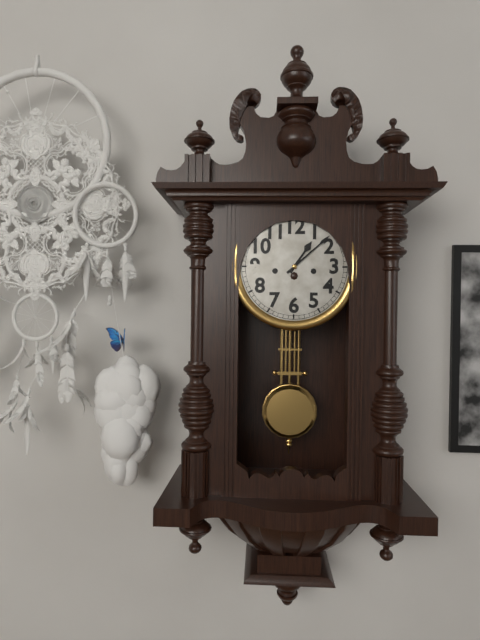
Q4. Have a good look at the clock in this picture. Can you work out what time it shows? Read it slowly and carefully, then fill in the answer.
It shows 1:08
